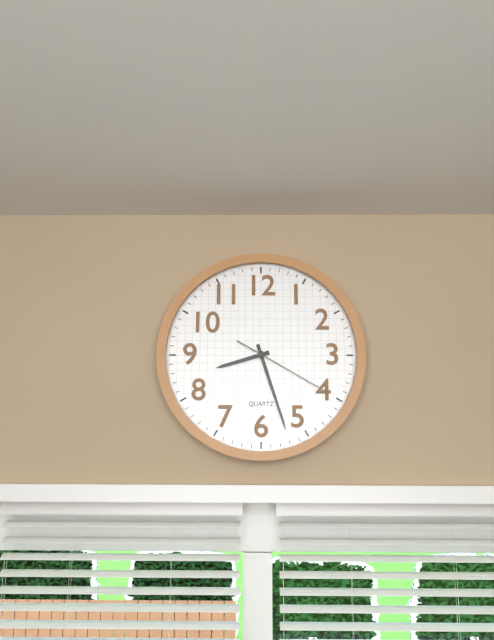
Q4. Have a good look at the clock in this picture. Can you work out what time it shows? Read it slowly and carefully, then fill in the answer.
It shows 8:27:20
